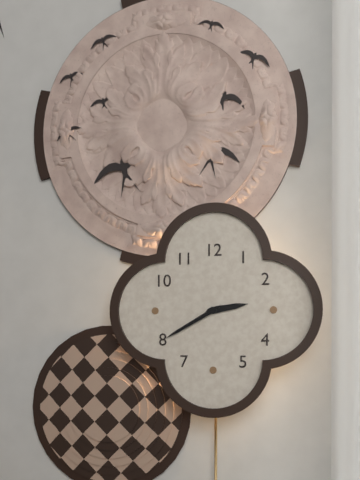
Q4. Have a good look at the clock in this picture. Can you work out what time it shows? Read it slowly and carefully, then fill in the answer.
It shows 2:40
